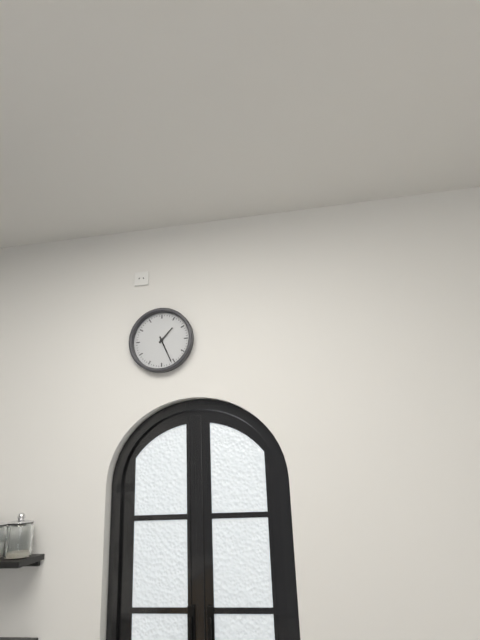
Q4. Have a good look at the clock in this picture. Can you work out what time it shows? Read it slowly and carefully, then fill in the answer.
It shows 1:26
